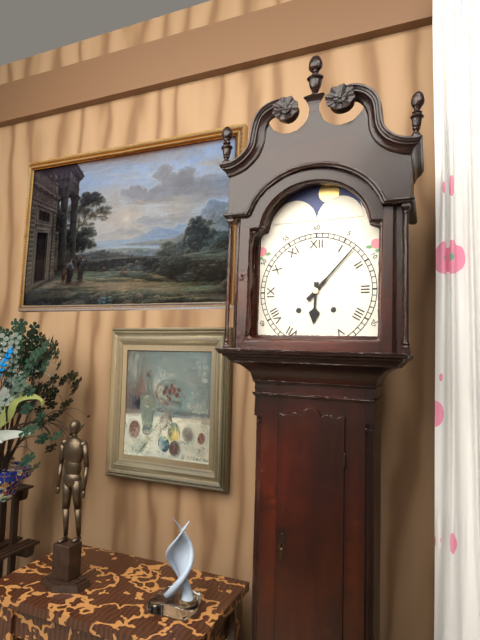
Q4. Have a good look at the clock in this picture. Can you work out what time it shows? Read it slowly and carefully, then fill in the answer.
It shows 6:07
